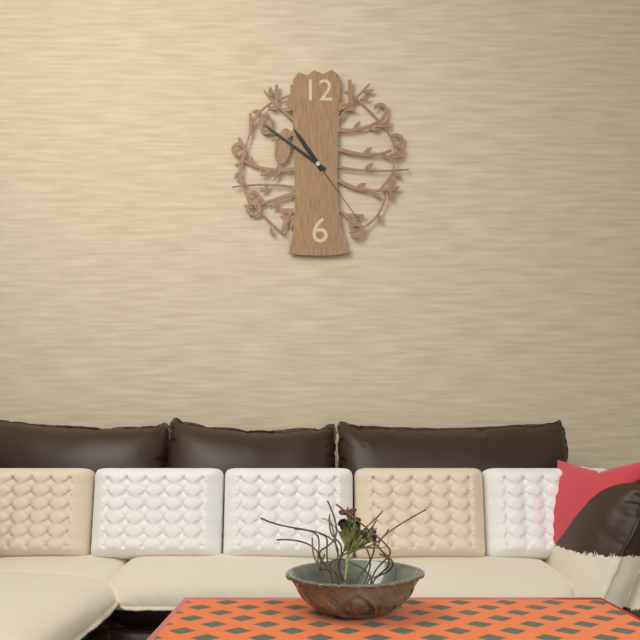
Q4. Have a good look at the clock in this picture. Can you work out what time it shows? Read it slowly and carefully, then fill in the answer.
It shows 10:51:24
